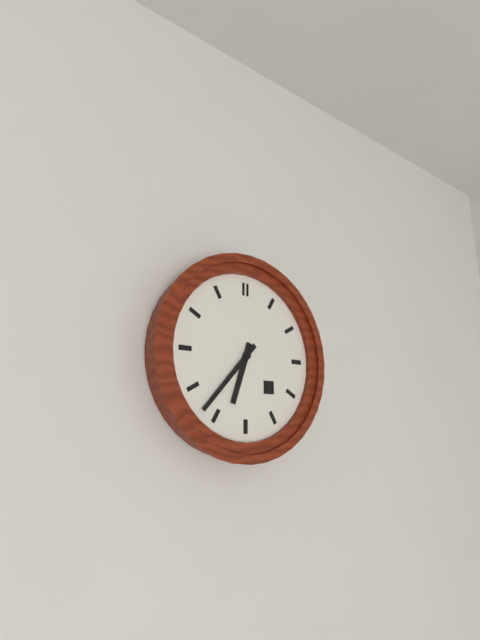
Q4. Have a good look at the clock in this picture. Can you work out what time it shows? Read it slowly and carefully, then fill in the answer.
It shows 6:37
